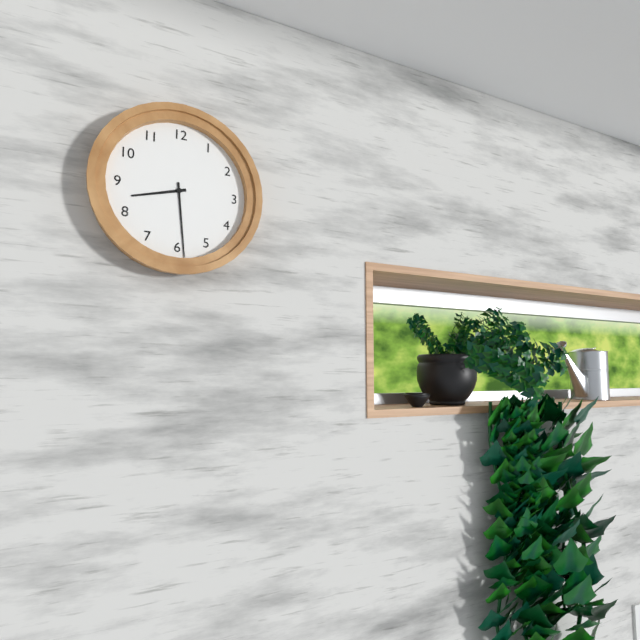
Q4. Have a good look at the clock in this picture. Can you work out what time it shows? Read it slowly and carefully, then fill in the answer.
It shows 8:29
